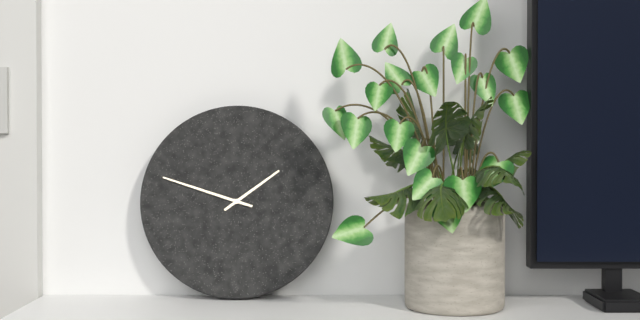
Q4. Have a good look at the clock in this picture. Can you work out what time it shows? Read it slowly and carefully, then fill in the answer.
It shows 1:48
